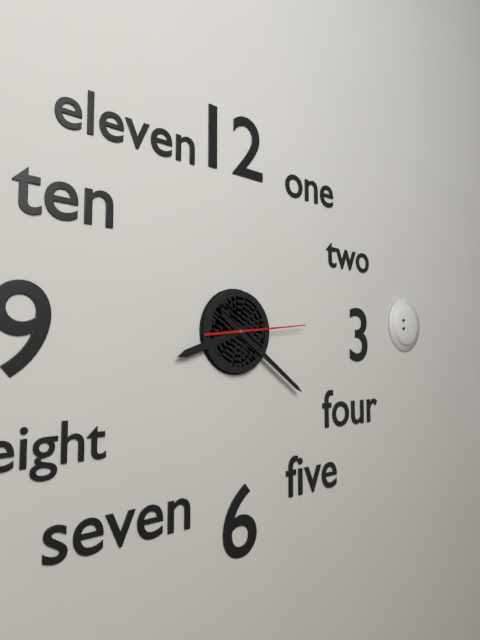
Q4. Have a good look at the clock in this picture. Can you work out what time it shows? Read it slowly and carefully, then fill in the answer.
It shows 8:21:14
